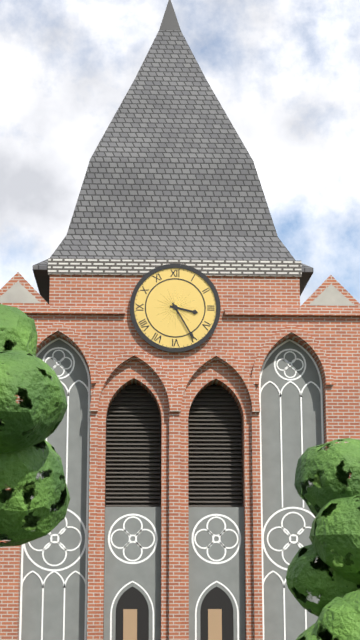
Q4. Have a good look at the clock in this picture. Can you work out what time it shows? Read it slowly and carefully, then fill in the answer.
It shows 3:25
